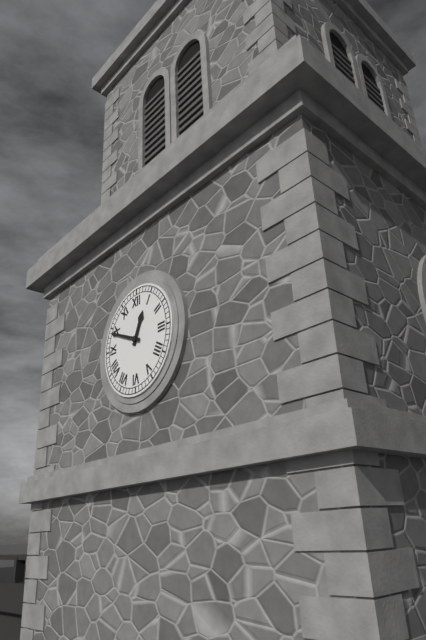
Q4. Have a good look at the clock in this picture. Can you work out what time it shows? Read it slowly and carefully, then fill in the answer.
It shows 12:49
